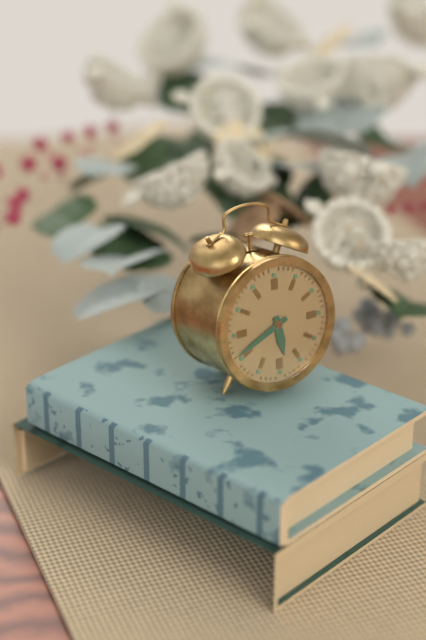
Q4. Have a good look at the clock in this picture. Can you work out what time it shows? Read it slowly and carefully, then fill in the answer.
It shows 5:41
